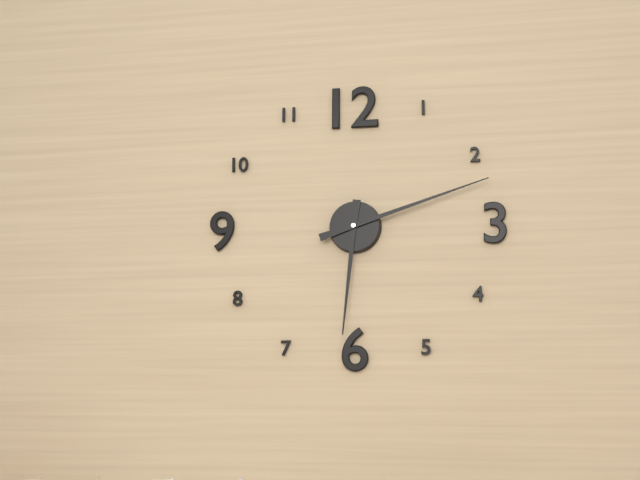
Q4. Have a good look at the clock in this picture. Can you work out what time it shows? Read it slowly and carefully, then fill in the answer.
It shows 6:12
